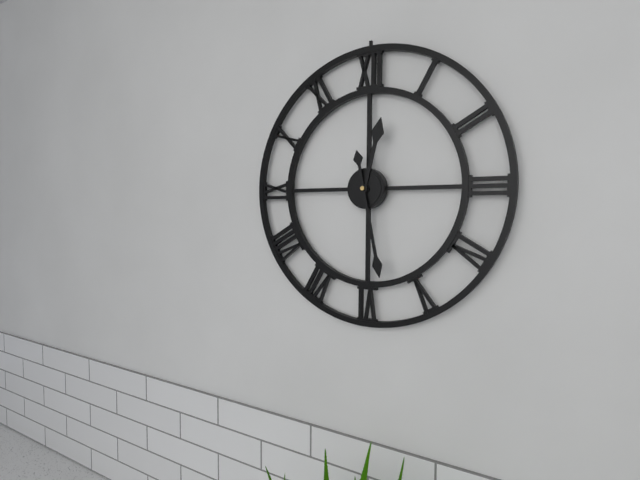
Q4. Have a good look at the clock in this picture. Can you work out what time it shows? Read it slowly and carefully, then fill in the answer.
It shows 12:28
